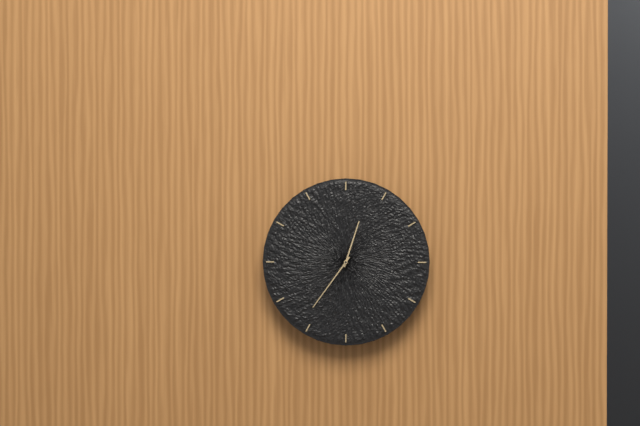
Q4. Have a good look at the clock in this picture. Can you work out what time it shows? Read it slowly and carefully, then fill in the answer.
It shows 12:36
